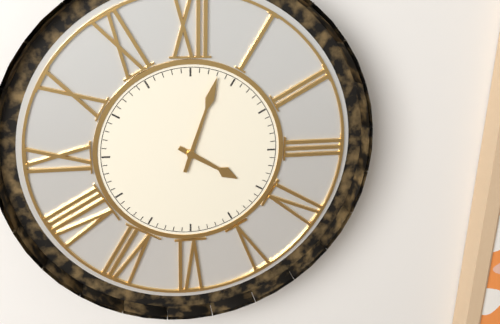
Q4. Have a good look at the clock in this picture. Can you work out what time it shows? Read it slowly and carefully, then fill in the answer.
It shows 4:03
